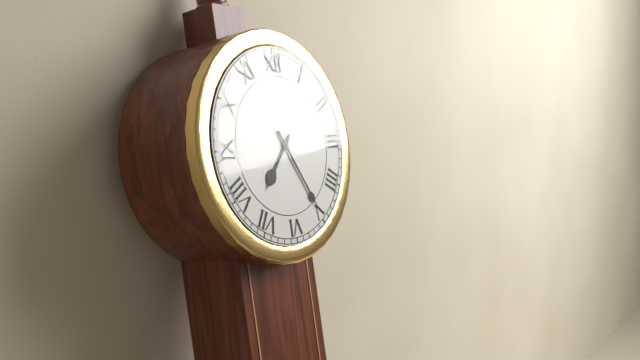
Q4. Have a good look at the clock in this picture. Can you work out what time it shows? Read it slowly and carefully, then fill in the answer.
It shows 7:25
